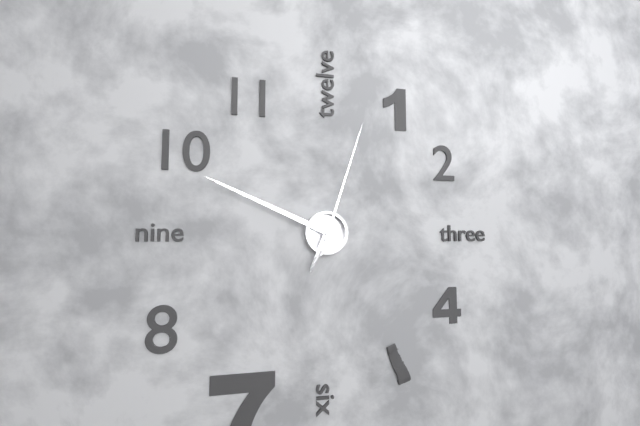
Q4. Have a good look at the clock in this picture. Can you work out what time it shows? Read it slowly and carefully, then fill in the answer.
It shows 6:49:03
